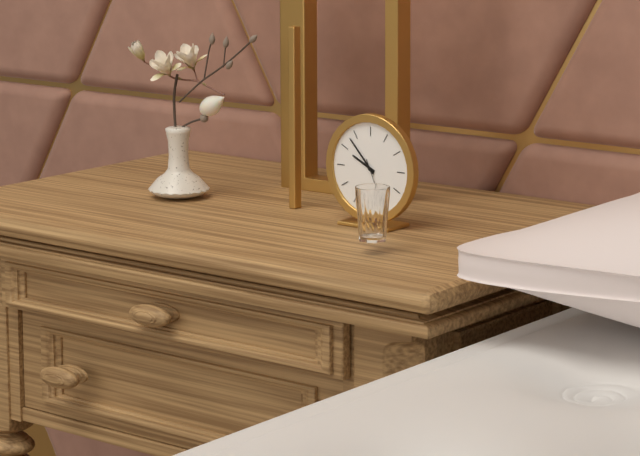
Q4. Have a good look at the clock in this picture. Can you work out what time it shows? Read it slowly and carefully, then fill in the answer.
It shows 9:53:26
